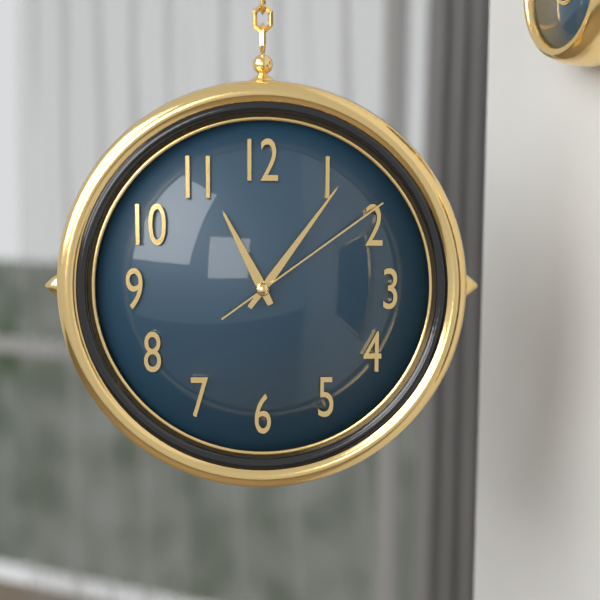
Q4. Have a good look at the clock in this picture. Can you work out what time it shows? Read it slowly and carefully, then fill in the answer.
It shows 11:06:09
